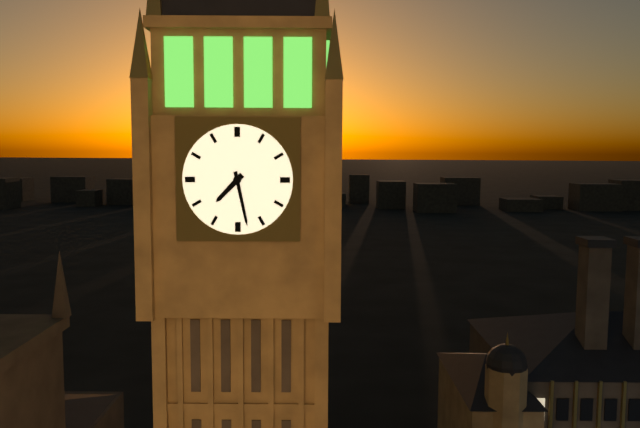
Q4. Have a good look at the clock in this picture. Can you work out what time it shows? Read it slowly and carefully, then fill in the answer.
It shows 7:28
